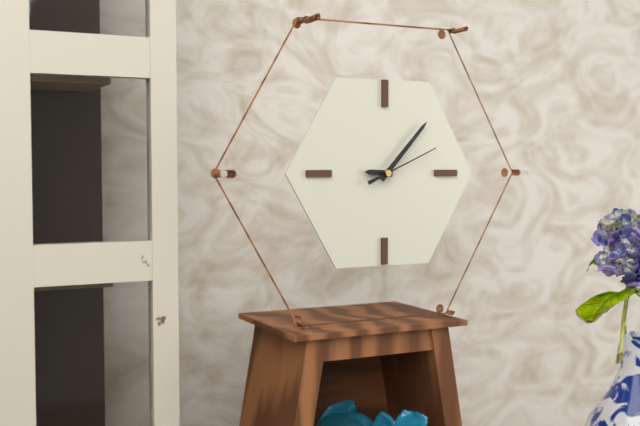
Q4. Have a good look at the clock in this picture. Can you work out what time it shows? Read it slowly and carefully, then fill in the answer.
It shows 9:07:11
